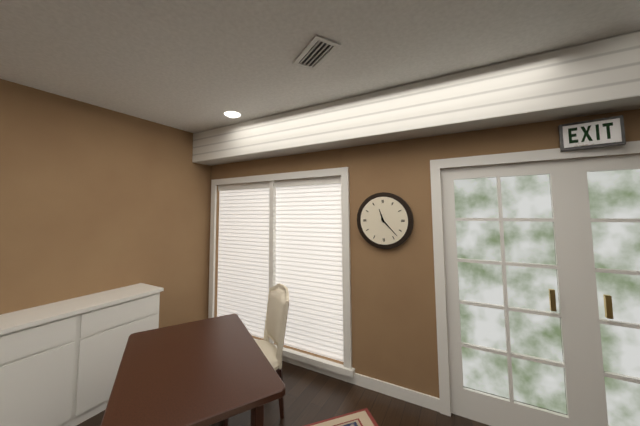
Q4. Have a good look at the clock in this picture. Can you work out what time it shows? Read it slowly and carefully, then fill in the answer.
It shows 11:23
